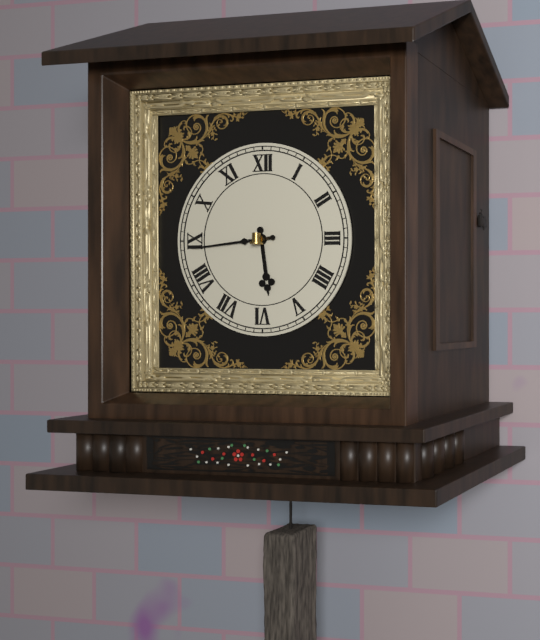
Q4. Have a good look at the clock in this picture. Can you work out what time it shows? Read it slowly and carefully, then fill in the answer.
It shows 5:44
